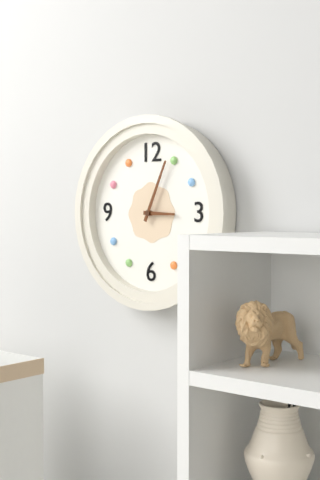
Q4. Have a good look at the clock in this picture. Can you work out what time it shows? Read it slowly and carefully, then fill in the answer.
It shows 3:04
